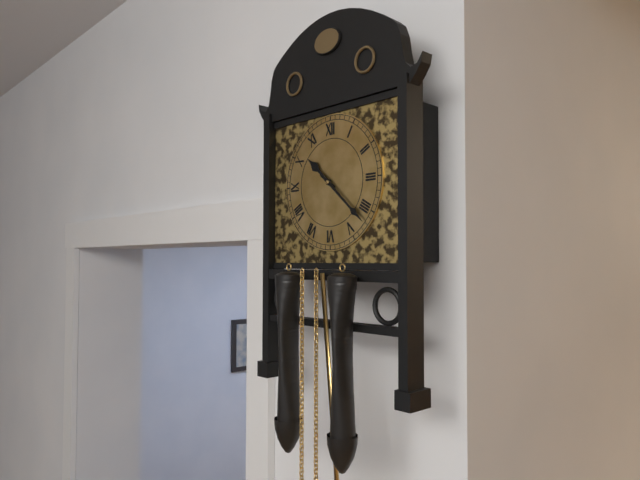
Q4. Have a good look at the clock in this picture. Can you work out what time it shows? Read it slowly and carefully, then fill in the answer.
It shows 10:22
